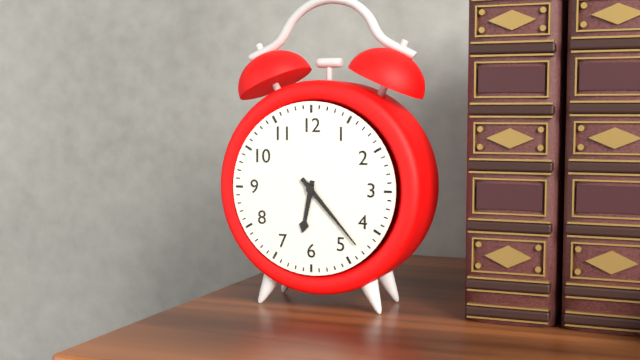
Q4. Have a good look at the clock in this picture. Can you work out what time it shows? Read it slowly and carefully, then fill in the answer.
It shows 6:23
